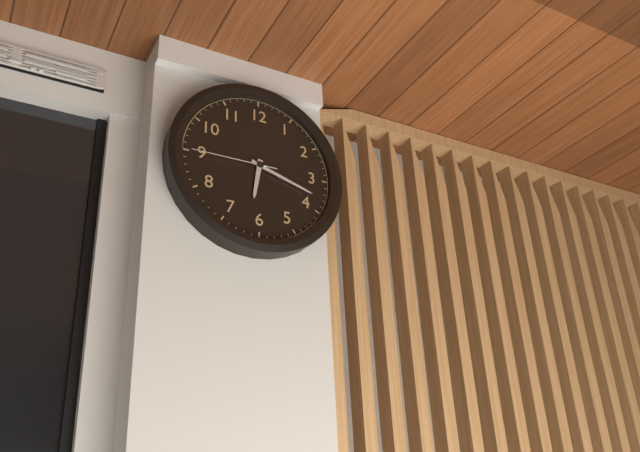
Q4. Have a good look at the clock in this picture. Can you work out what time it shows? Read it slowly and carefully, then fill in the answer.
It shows 6:18:45
